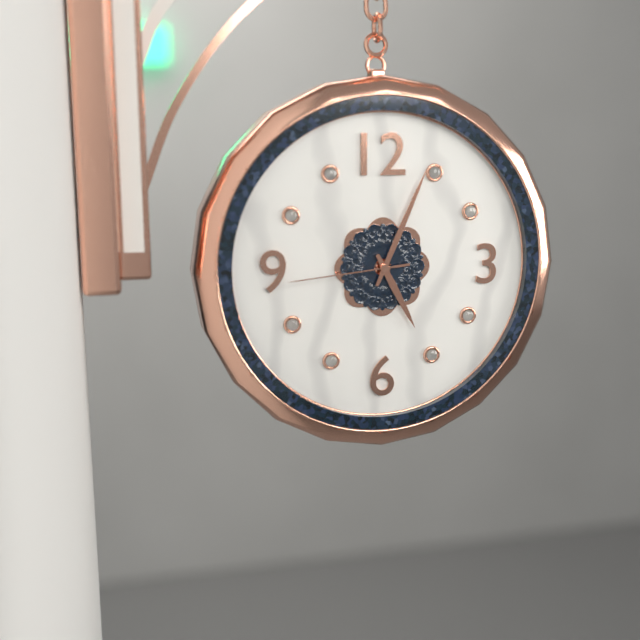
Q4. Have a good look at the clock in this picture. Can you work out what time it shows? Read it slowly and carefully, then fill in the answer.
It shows 5:04:44
